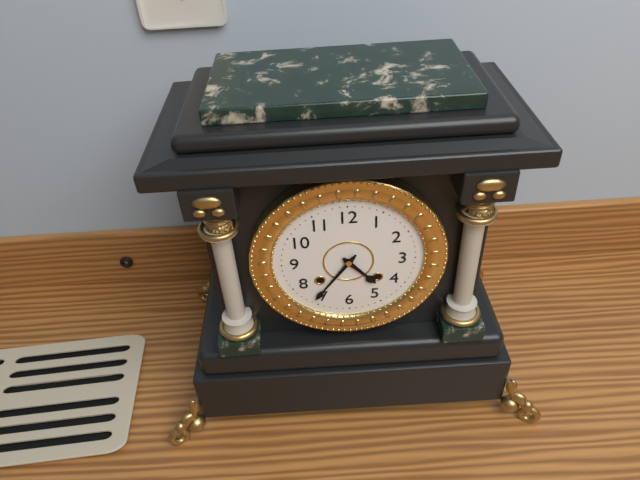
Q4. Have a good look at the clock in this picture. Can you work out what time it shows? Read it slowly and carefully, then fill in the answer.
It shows 4:36
